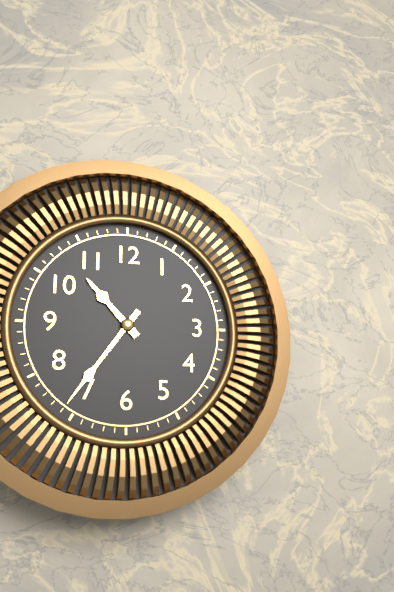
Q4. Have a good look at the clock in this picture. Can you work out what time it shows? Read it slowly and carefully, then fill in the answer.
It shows 10:36
